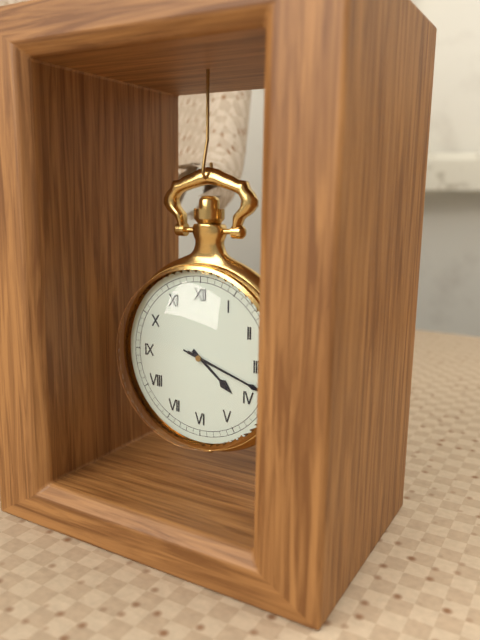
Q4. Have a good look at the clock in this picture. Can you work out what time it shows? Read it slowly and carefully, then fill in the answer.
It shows 4:18:18
